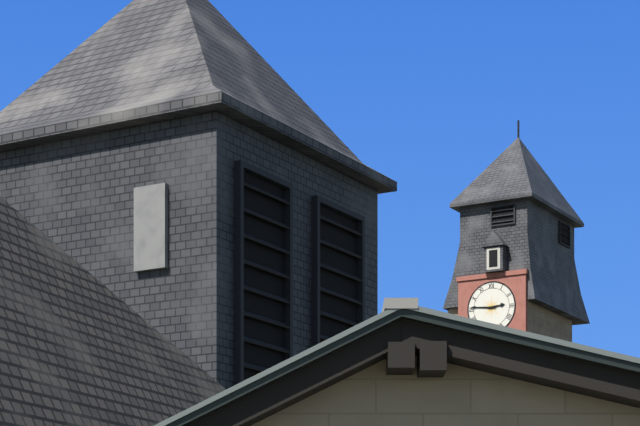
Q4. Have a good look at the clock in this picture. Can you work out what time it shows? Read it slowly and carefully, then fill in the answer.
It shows 2:46
